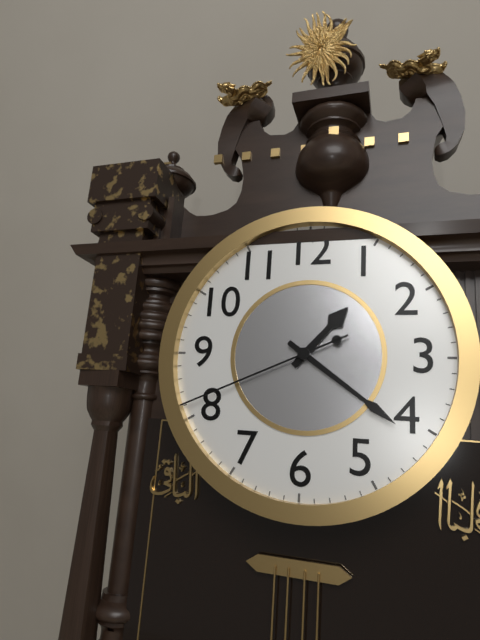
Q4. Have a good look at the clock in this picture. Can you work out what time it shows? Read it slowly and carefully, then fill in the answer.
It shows 1:21:41
